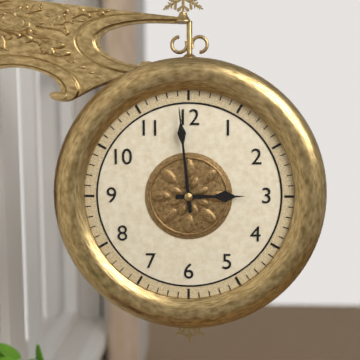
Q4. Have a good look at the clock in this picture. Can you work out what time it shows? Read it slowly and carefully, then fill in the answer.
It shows 2:59
